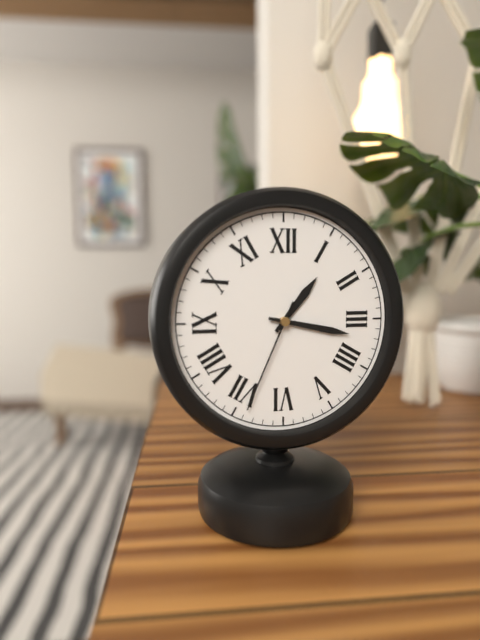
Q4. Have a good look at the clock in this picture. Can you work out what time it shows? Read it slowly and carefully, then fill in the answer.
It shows 1:17:34
